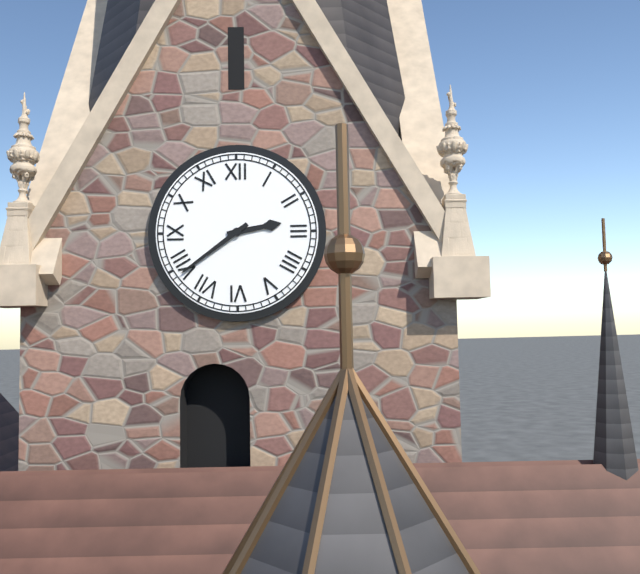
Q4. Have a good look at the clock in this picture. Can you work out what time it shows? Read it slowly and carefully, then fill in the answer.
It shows 2:39
